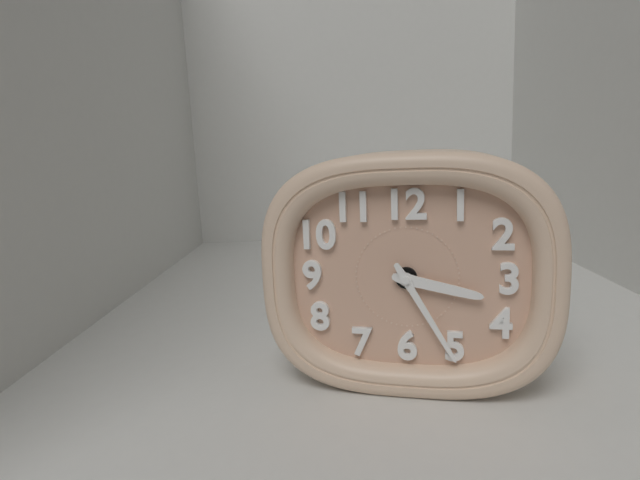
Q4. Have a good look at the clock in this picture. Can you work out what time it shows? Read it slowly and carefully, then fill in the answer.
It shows 3:25
